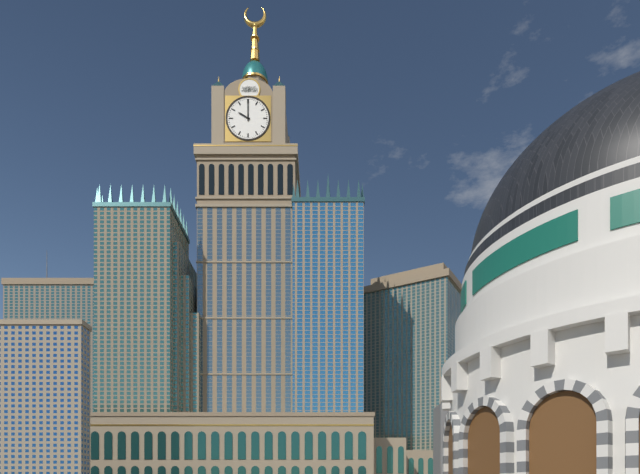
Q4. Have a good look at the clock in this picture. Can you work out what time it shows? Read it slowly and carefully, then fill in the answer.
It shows 10:00
